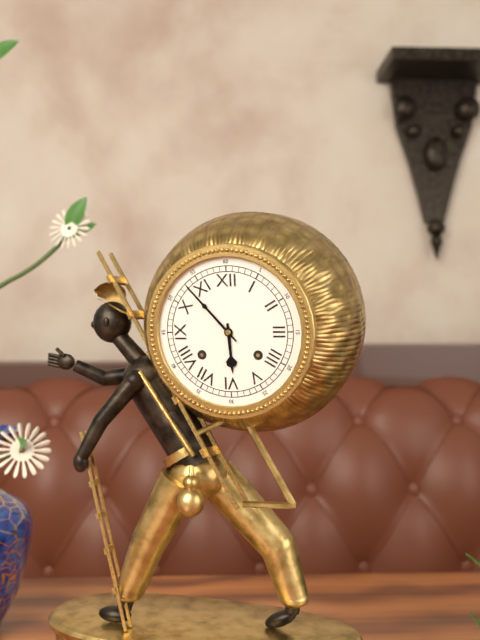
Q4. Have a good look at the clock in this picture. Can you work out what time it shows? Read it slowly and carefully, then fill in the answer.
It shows 5:53
